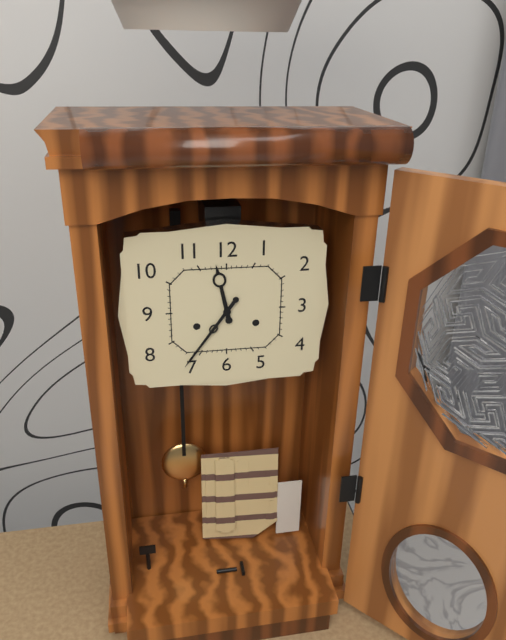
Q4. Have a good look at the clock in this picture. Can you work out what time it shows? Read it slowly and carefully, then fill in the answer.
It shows 11:36
